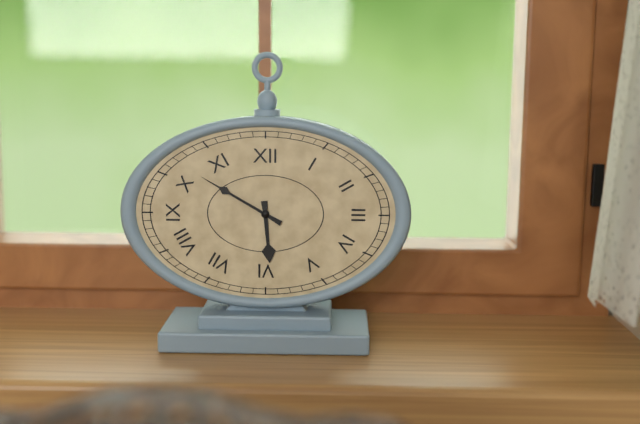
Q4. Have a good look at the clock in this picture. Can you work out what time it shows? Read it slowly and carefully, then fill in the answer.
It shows 5:50
